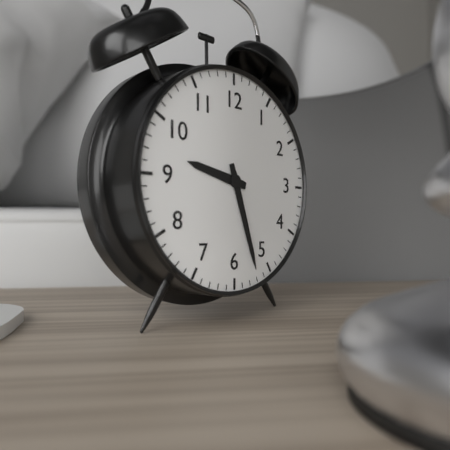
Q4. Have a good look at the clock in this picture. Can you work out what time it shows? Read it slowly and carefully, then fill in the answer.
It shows 9:27
